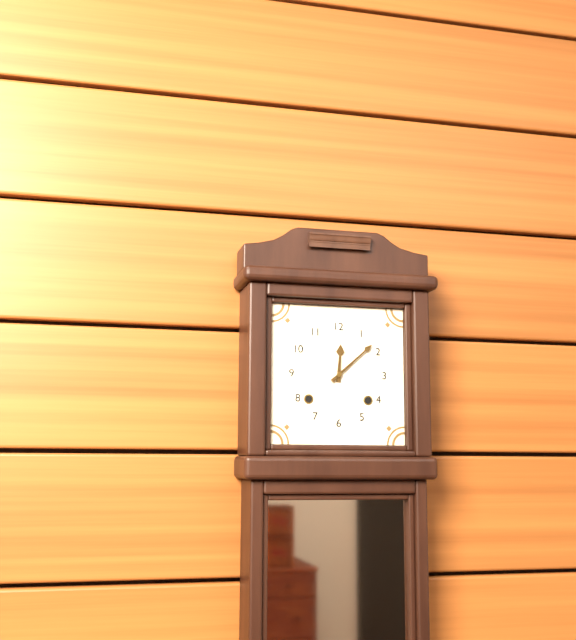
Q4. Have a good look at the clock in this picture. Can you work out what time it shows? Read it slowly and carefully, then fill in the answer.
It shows 12:08
